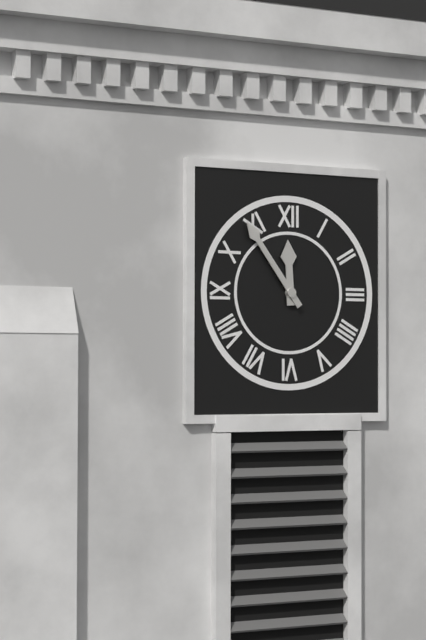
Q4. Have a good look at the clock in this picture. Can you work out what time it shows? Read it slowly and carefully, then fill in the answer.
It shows 11:54
